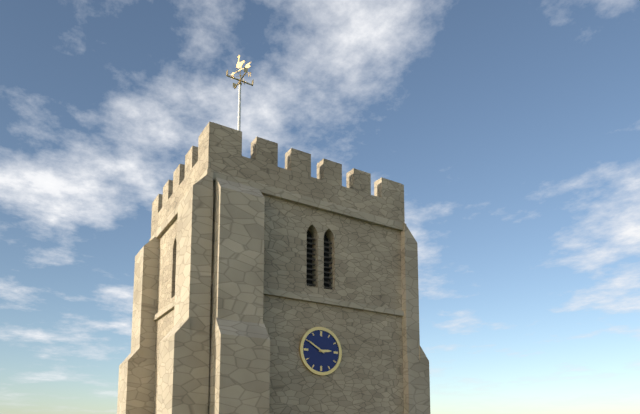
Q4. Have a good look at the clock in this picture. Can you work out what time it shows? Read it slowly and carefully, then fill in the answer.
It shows 2:50
